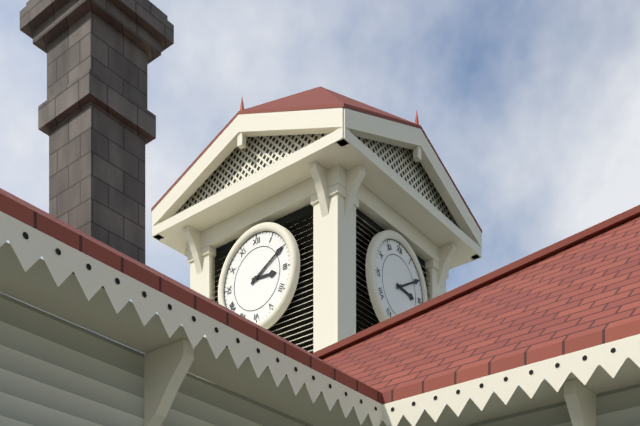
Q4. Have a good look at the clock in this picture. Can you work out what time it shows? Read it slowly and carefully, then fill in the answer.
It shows 3:10
